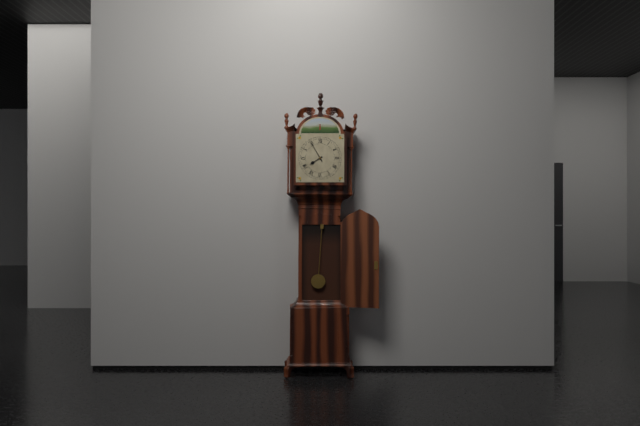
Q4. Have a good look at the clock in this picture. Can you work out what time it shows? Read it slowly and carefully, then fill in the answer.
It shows 7:55
